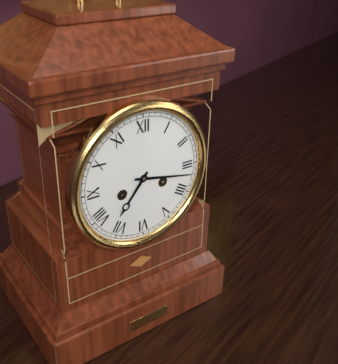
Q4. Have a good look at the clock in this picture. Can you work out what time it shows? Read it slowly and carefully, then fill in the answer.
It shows 7:17
